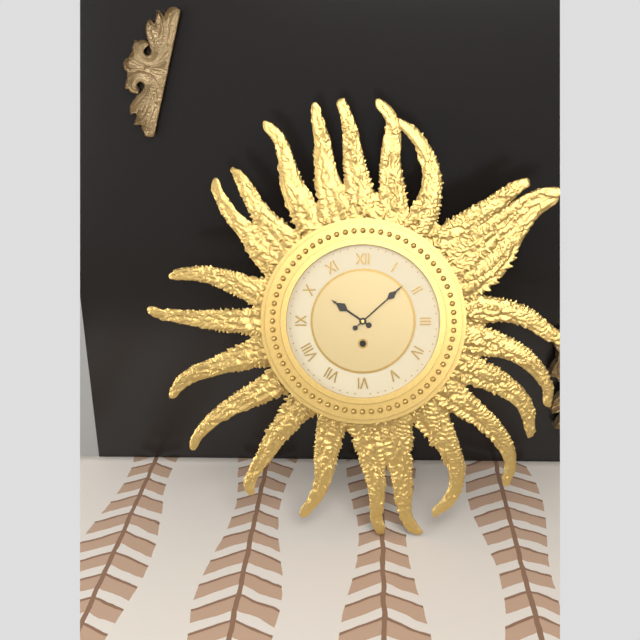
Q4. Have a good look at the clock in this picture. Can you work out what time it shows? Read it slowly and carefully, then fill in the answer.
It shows 10:08
